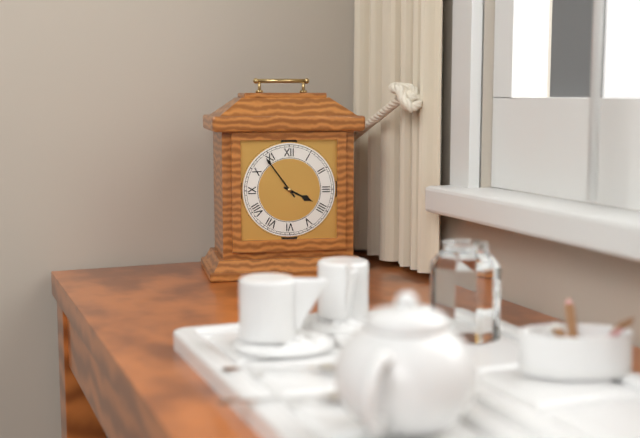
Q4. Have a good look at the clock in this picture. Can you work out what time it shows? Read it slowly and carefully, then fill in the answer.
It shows 3:54
